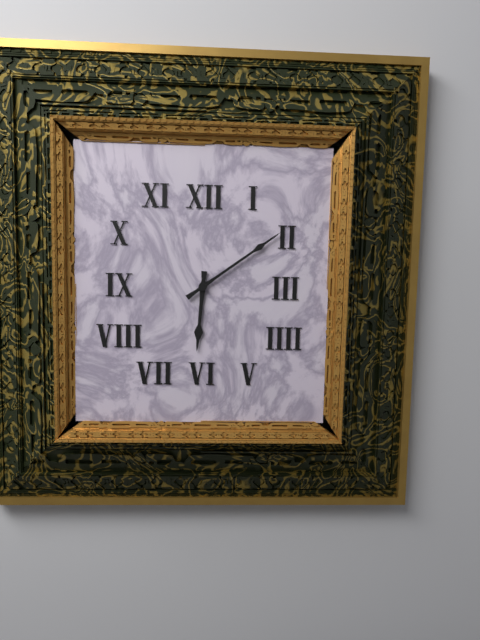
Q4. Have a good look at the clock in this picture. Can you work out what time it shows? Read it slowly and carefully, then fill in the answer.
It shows 6:09
